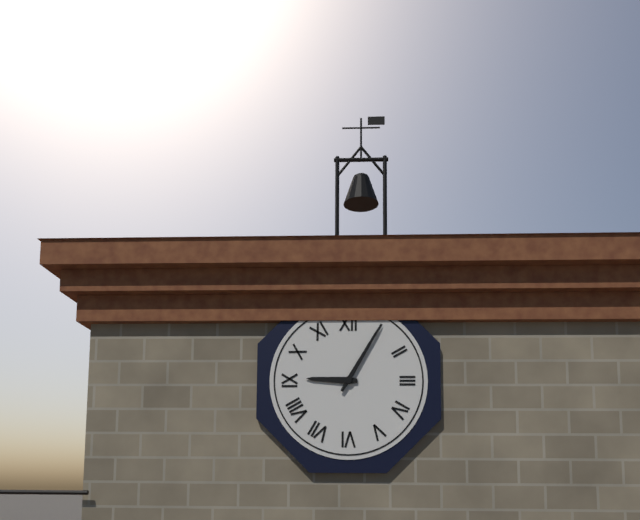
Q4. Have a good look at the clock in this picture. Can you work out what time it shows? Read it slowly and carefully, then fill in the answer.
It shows 9:05
